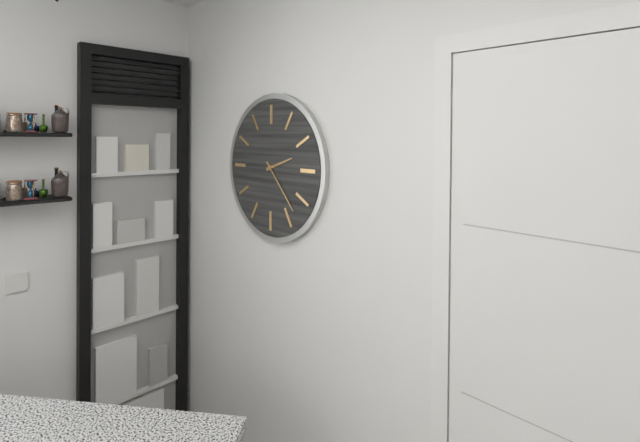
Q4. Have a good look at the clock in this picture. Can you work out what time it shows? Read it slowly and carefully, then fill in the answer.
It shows 2:23
